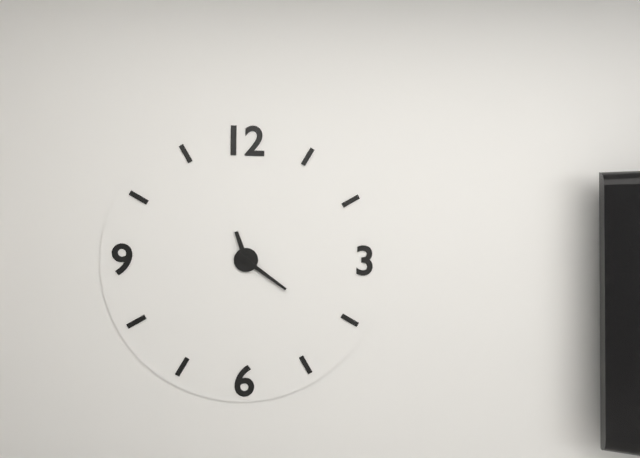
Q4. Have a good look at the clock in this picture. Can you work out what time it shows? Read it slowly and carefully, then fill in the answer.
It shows 11:21
